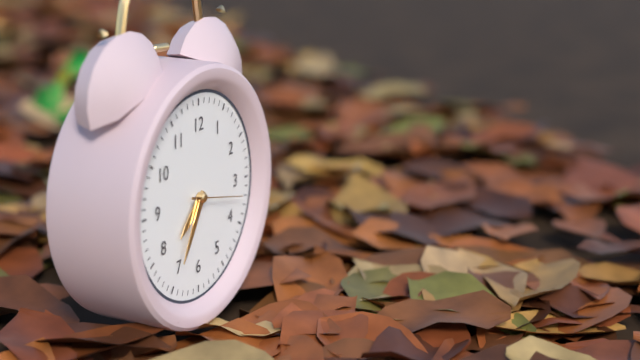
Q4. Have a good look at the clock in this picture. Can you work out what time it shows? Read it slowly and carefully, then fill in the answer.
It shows 7:35
